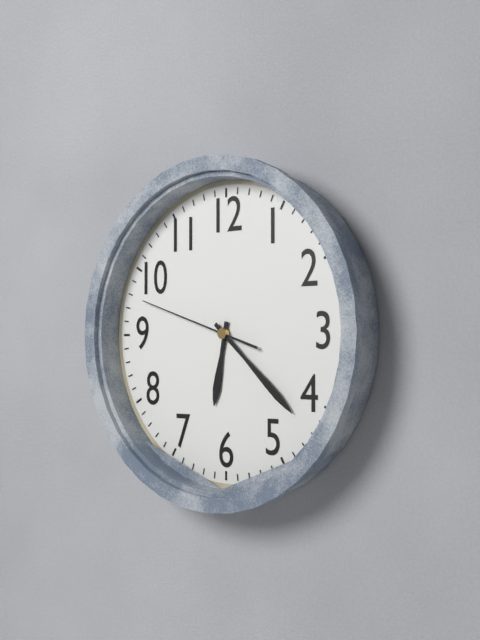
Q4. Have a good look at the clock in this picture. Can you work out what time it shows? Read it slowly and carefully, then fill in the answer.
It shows 6:22:48
